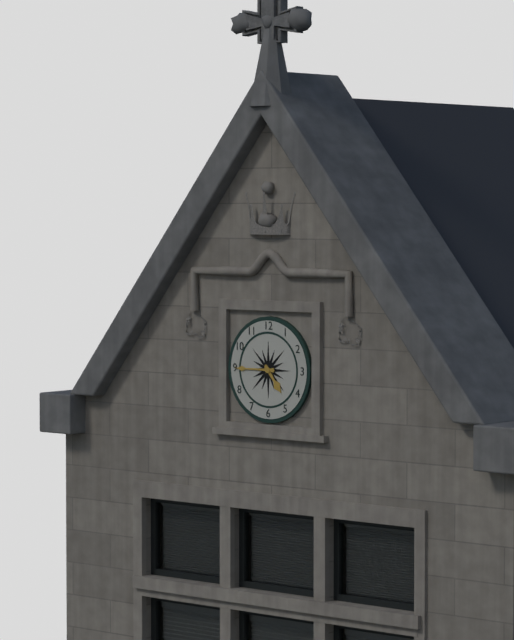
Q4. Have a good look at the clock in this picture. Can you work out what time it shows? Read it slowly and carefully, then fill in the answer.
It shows 4:45
